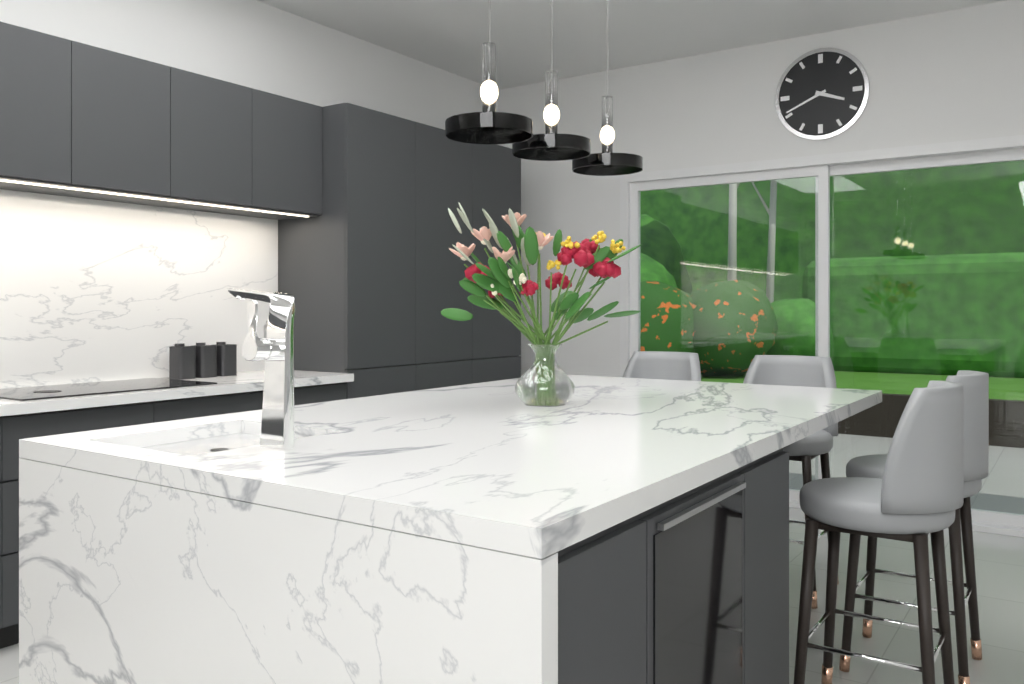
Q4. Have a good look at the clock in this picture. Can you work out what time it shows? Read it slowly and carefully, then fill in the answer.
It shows 3:41
